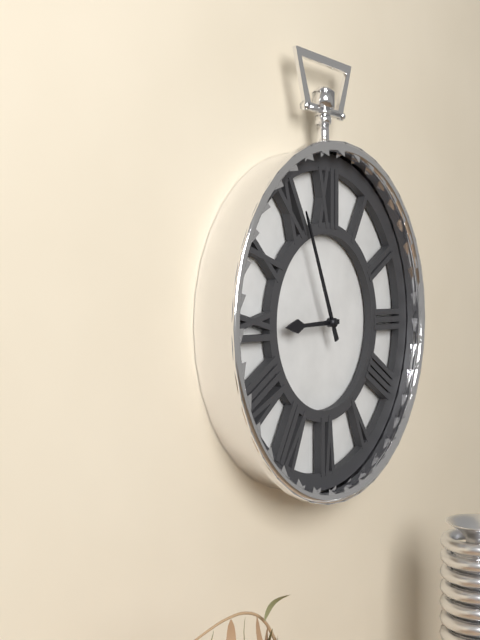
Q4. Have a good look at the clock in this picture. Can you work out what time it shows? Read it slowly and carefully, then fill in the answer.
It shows 8:56
